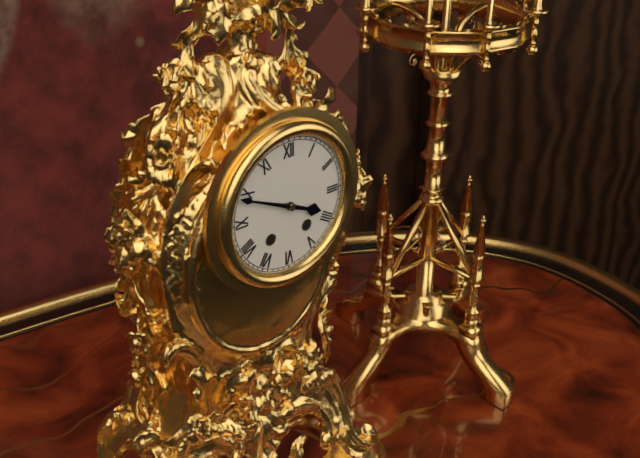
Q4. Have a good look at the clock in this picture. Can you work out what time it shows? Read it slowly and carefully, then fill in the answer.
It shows 3:49
